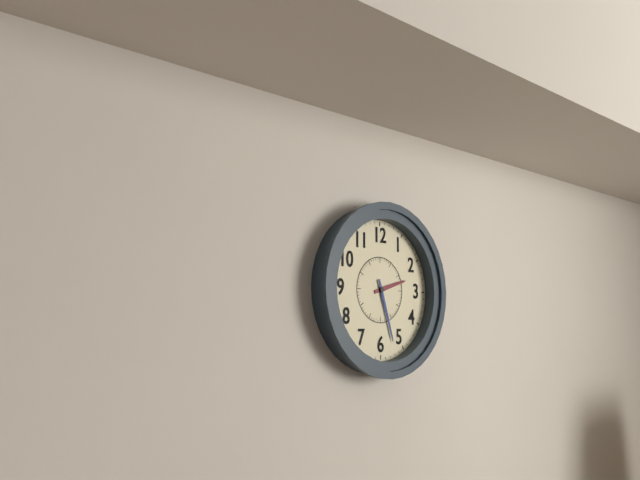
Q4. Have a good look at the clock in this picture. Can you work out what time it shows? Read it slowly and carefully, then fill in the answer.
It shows 2:27
